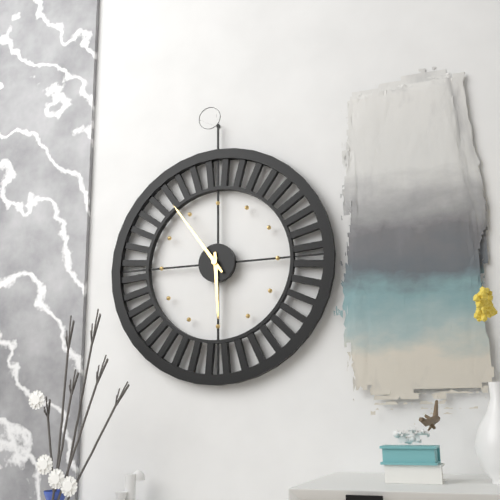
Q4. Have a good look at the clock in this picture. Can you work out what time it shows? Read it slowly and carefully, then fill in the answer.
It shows 5:54
